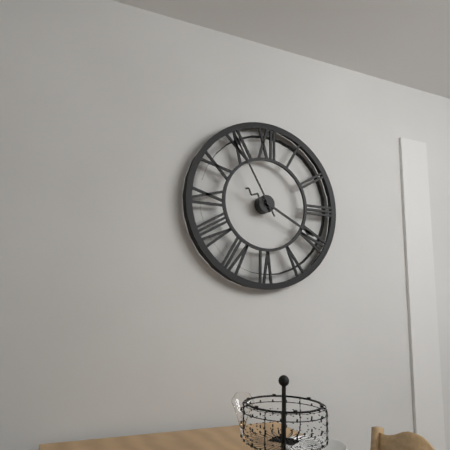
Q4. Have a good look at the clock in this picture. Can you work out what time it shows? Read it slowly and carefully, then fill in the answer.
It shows 3:55
